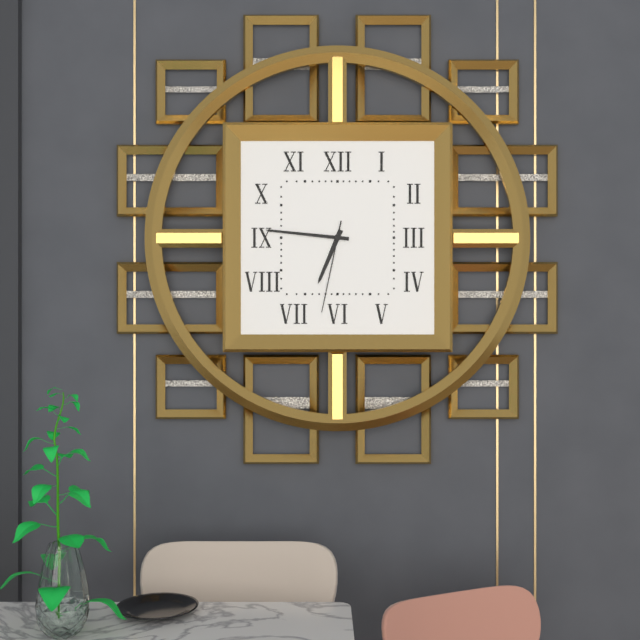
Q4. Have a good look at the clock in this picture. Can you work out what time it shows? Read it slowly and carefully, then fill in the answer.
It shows 6:46:32
